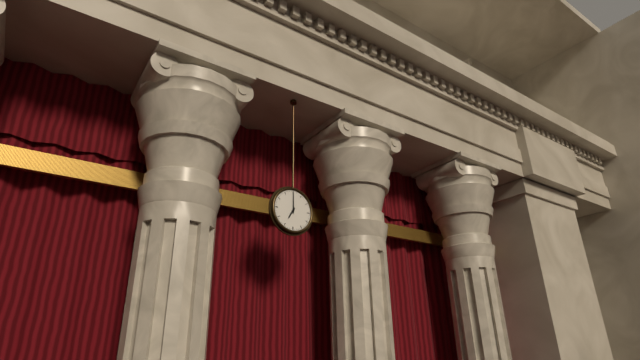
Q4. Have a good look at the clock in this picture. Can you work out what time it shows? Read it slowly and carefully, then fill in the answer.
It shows 7:00
